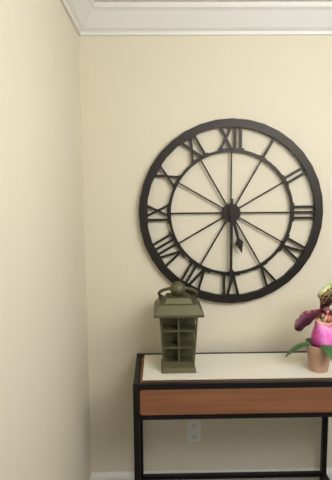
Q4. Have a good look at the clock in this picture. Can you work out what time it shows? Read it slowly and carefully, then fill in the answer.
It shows 5:30
